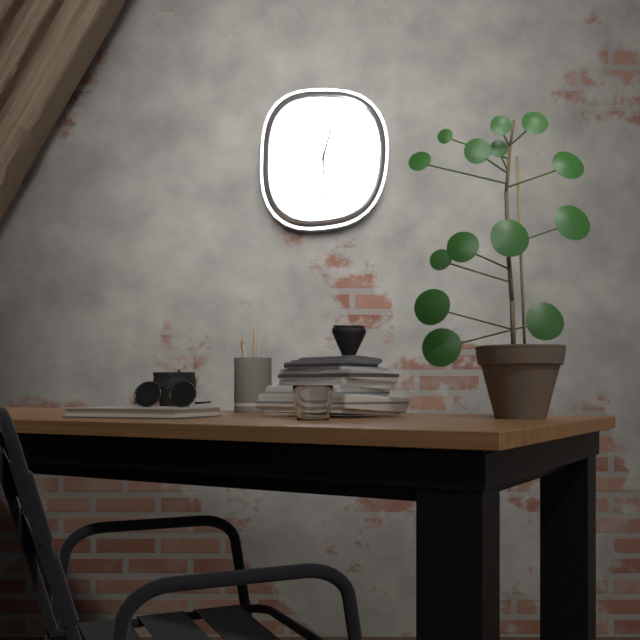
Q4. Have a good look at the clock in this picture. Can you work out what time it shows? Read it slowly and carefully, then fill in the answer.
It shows 12:30
